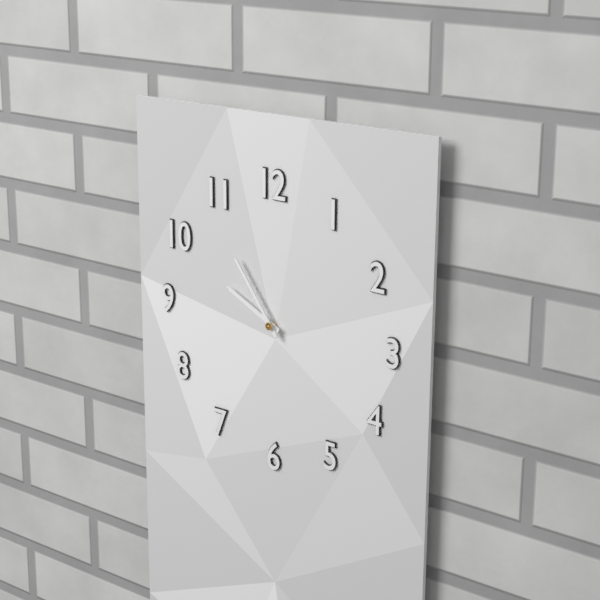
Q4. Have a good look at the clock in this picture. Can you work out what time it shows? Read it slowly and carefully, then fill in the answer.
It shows 9:54
